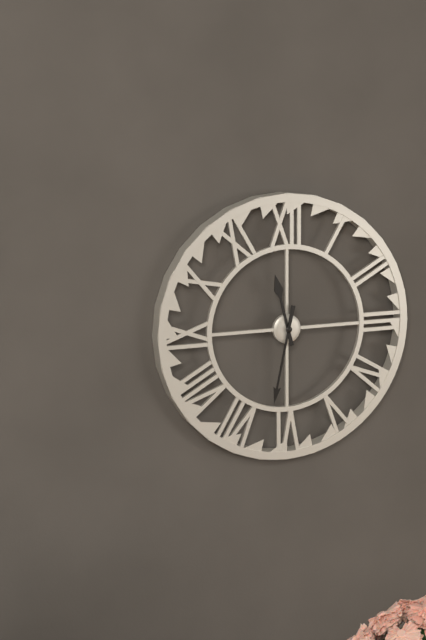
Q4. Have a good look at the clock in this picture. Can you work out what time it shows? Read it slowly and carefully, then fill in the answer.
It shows 11:32
